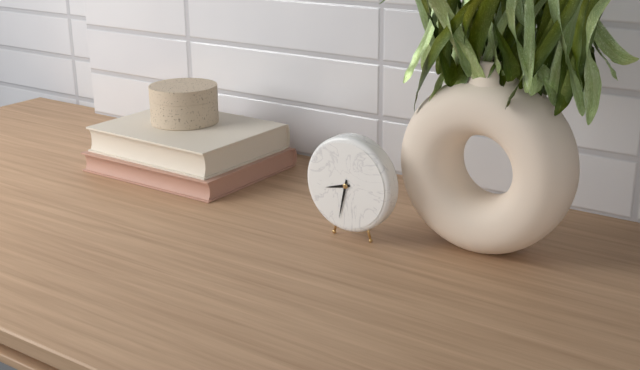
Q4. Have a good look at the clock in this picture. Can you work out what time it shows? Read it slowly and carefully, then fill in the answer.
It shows 8:32
